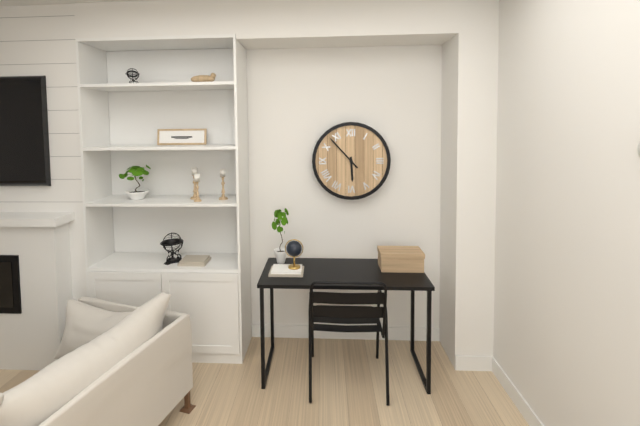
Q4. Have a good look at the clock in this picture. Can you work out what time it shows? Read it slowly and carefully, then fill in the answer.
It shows 5:53
